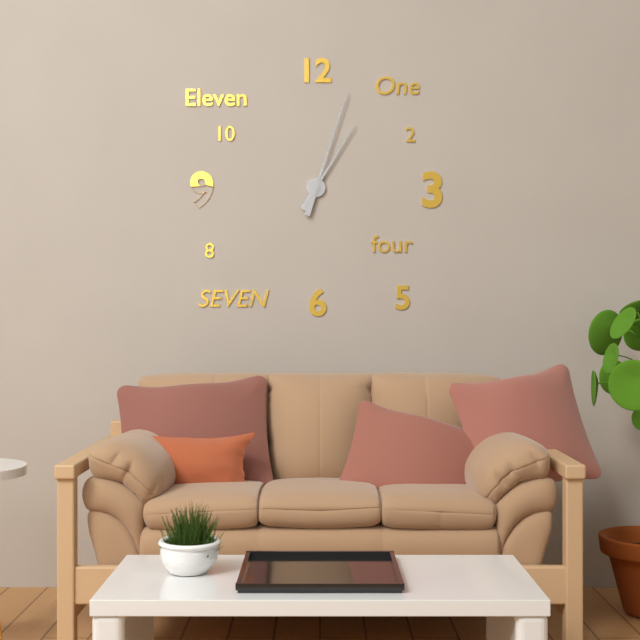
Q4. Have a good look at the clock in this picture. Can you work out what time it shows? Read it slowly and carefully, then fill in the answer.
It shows 1:03
